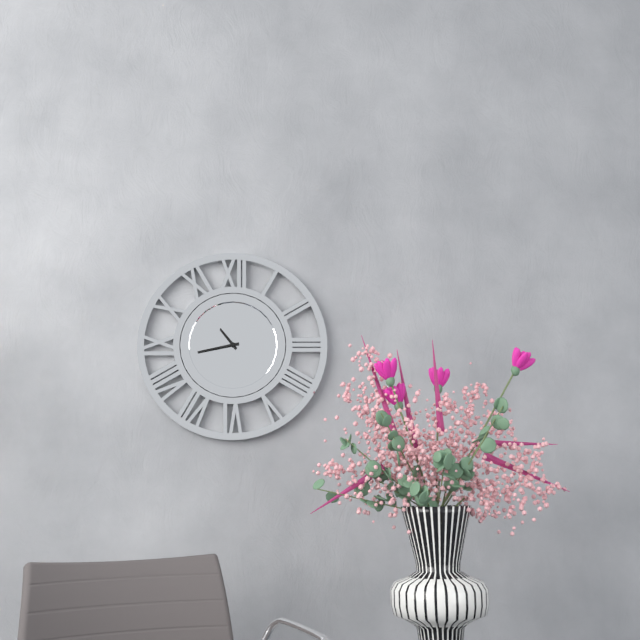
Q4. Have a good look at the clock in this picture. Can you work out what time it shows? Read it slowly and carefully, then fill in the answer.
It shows 10:43
